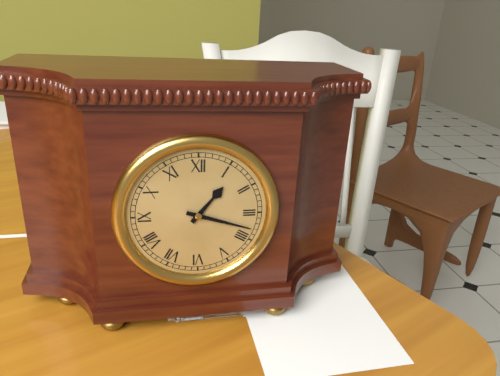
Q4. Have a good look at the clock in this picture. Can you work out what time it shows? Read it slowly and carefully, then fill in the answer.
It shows 1:18
